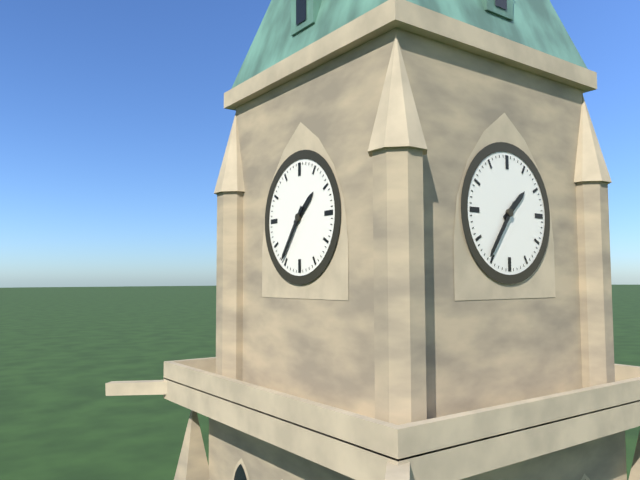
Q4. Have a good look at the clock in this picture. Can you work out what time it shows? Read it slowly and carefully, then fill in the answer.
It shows 1:36
